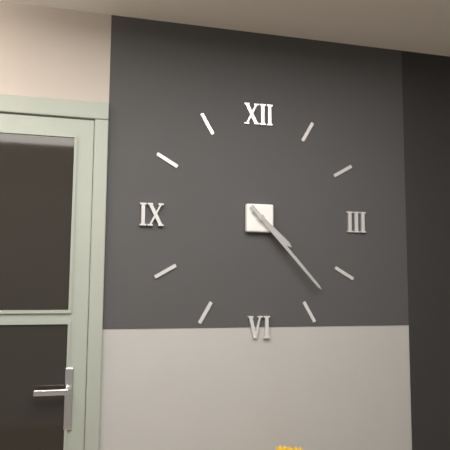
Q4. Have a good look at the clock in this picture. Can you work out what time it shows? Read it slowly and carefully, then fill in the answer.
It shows 4:23
